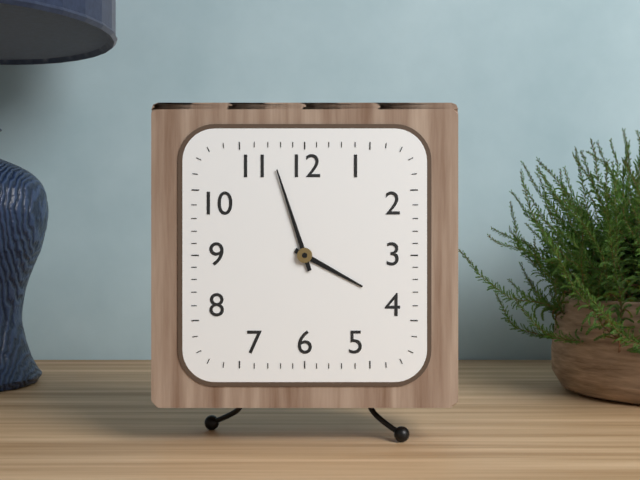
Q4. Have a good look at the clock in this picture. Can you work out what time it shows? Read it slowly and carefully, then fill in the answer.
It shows 3:57
